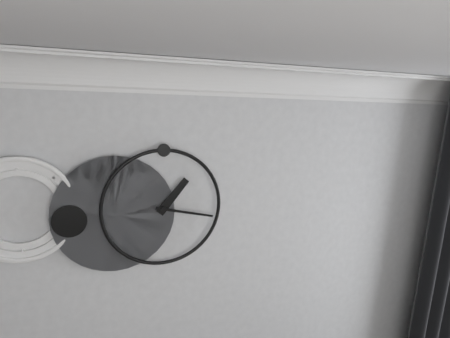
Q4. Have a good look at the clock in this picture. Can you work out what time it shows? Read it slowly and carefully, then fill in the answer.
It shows 1:17
